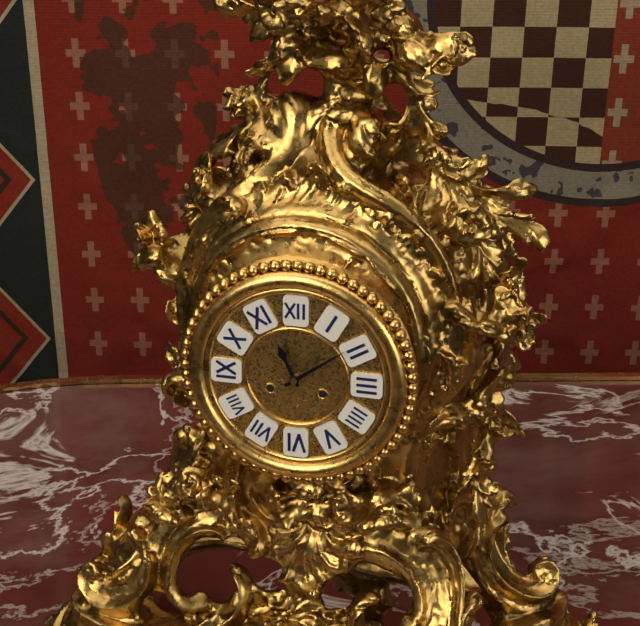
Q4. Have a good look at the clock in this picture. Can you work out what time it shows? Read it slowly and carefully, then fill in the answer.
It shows 11:09
